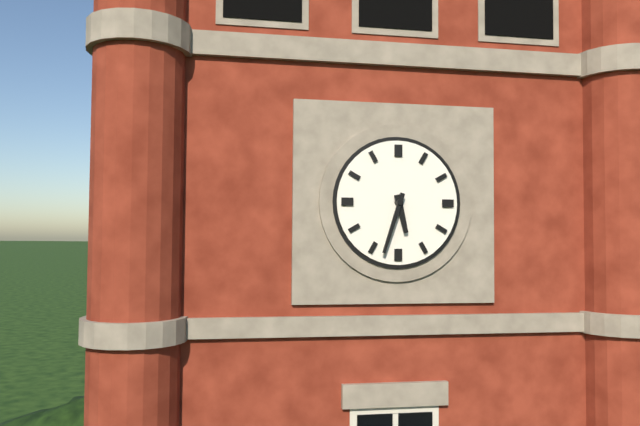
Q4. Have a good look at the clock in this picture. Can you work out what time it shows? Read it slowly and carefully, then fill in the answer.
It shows 5:33
